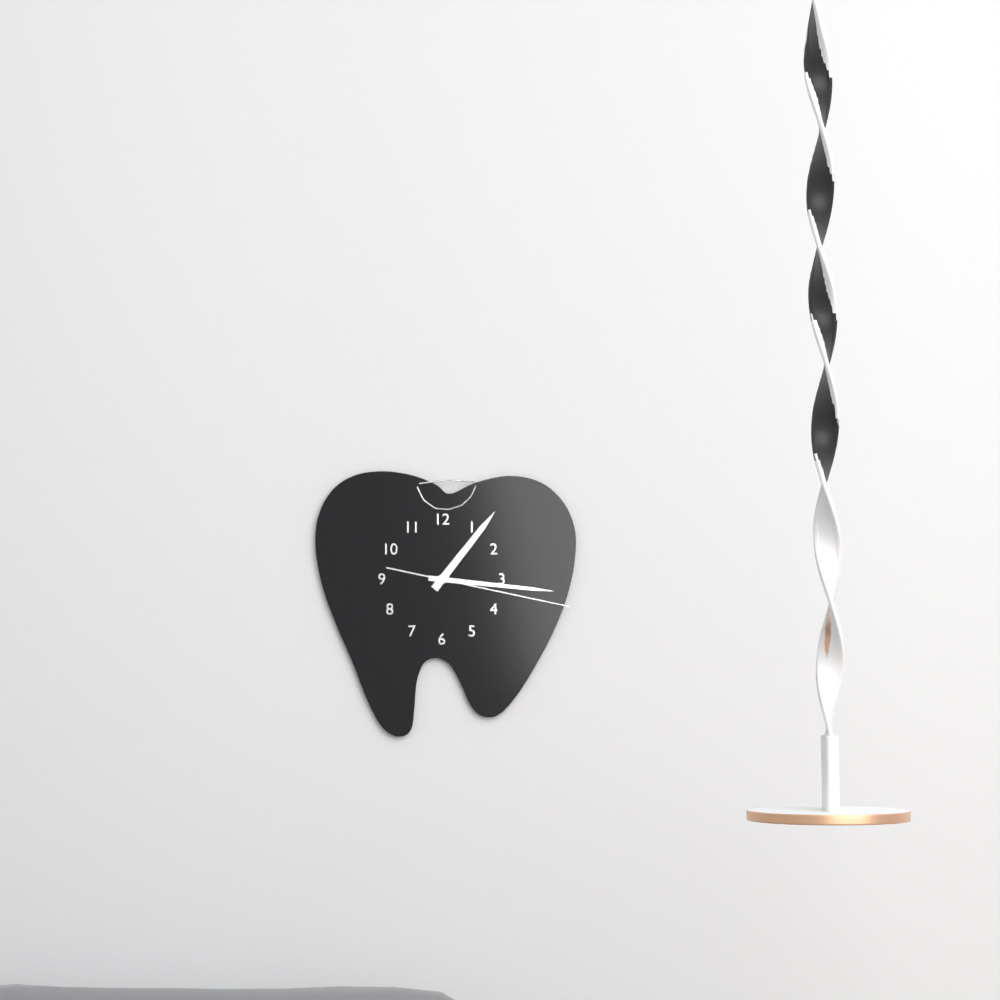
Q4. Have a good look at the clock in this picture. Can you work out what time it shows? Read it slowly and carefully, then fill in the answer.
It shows 1:16:17
